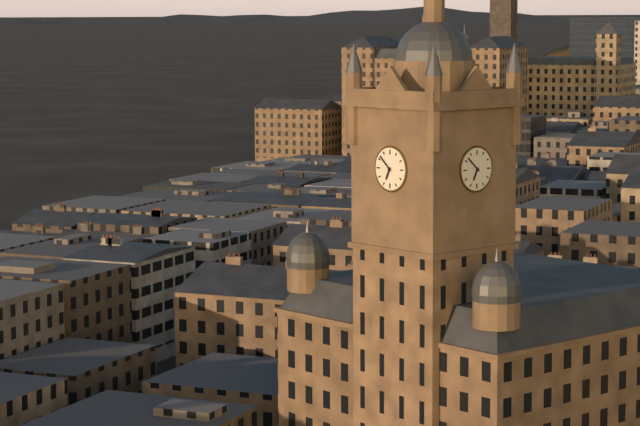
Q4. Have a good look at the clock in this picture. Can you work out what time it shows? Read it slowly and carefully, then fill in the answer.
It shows 6:52
